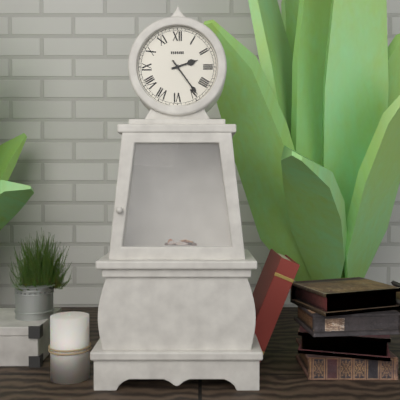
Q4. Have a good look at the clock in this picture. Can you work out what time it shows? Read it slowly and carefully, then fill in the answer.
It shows 2:24
